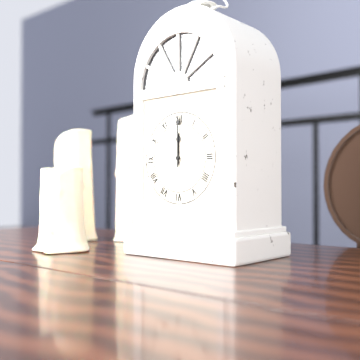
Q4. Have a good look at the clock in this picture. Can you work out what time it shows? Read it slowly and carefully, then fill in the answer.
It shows 12:00
